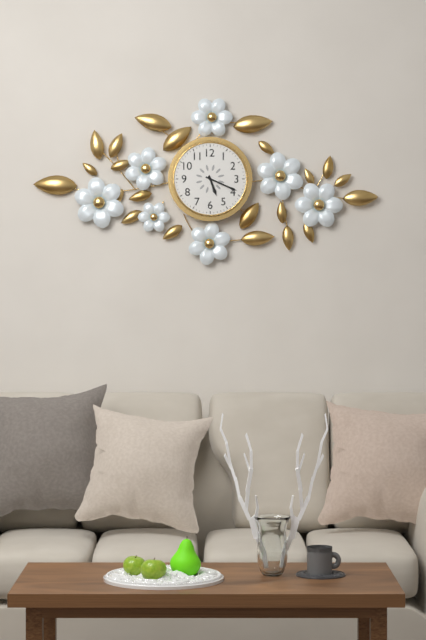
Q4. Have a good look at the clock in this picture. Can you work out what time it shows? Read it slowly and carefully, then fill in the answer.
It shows 5:19
